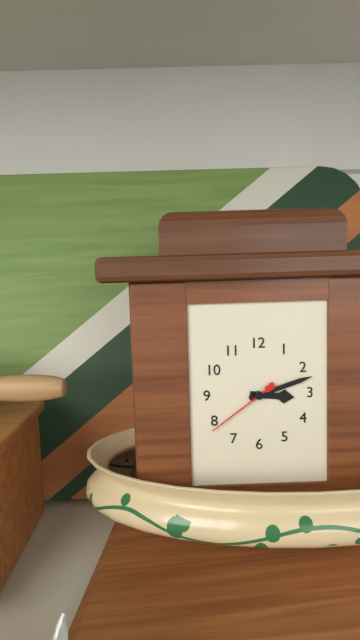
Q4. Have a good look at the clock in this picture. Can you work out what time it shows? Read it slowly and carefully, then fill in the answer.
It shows 3:12:39
